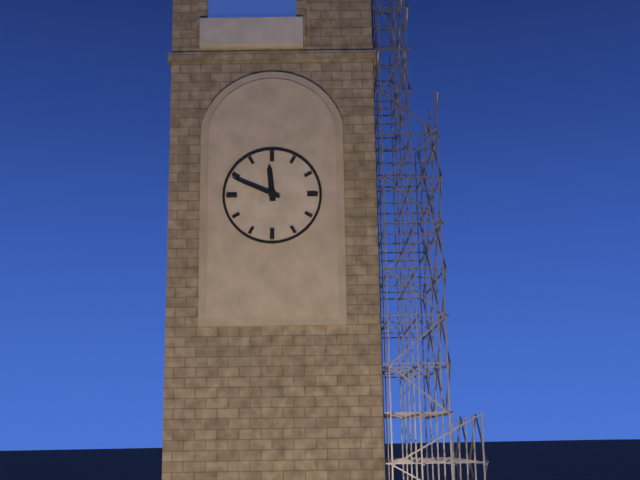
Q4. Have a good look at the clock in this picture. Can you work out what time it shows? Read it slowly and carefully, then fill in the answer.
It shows 11:49
